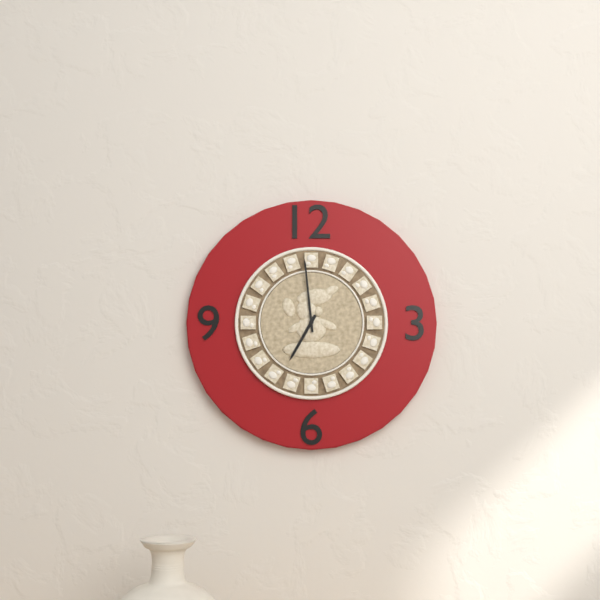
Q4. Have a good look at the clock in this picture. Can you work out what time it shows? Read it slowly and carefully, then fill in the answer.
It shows 6:59
